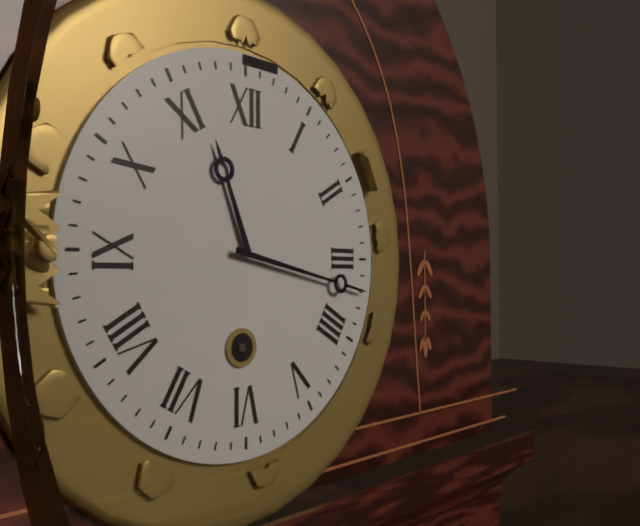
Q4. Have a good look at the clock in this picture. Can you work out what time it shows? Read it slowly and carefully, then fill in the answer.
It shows 11:17
